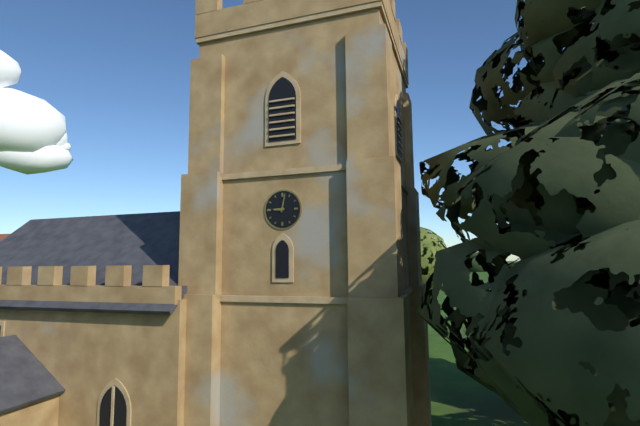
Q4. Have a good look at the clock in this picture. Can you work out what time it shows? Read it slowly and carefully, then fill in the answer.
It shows 9:02
